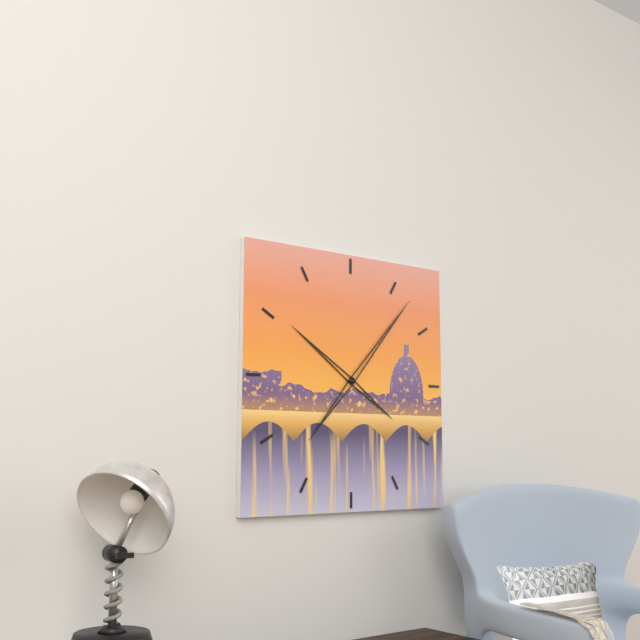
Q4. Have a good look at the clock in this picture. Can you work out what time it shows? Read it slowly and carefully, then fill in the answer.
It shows 10:07
